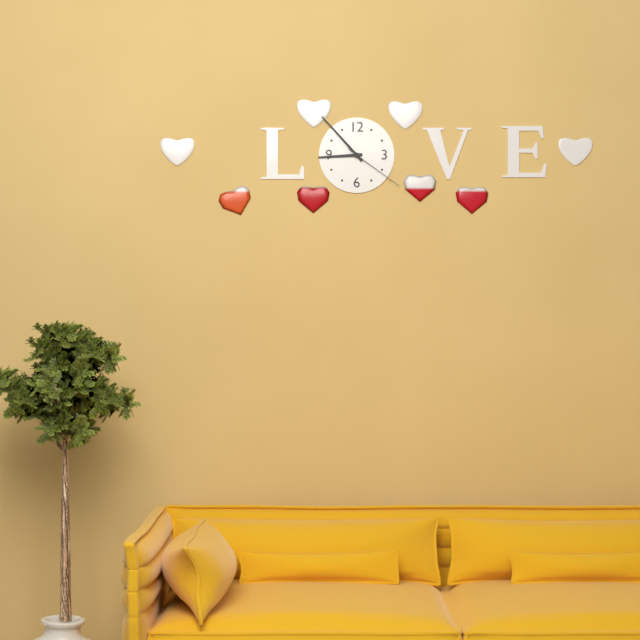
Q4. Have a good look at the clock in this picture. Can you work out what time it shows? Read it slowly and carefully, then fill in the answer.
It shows 8:53:21
